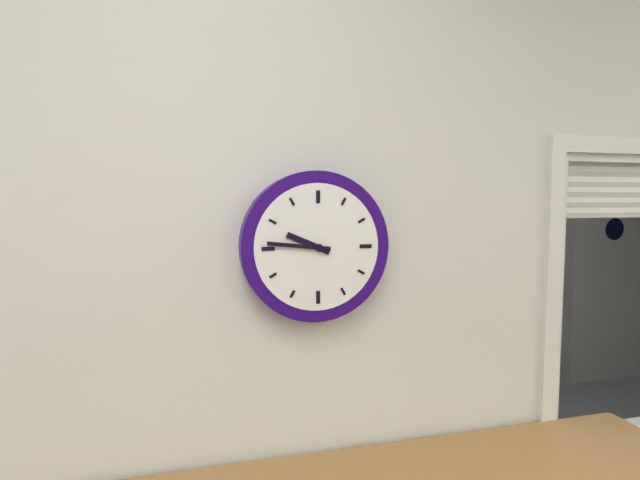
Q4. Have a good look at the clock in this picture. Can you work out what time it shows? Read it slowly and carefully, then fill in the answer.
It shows 9:46
